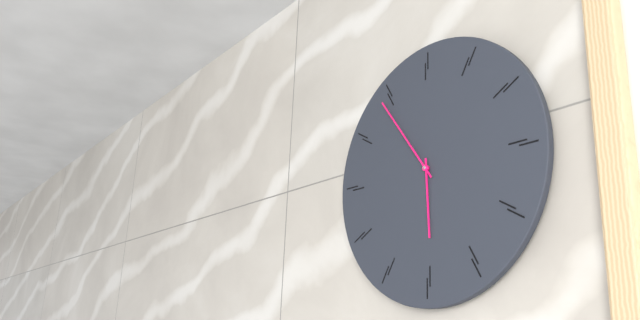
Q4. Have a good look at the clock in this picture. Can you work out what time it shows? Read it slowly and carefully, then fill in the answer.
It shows 5:54
